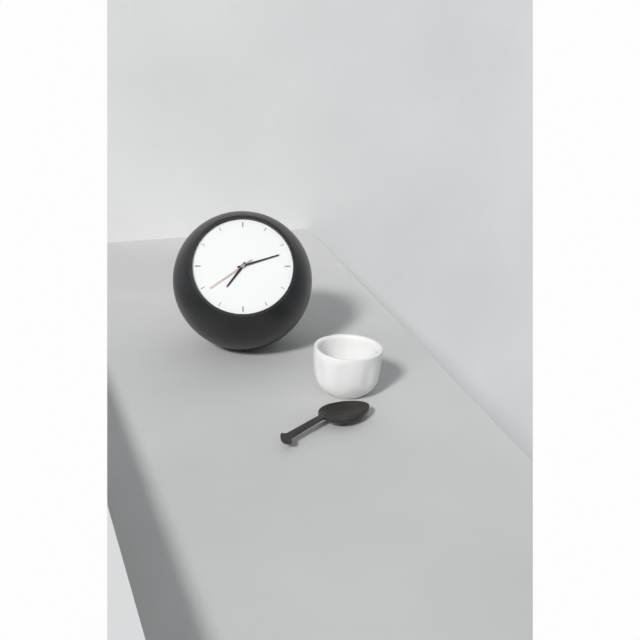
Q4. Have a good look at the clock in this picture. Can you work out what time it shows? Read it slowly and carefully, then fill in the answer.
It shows 7:12
